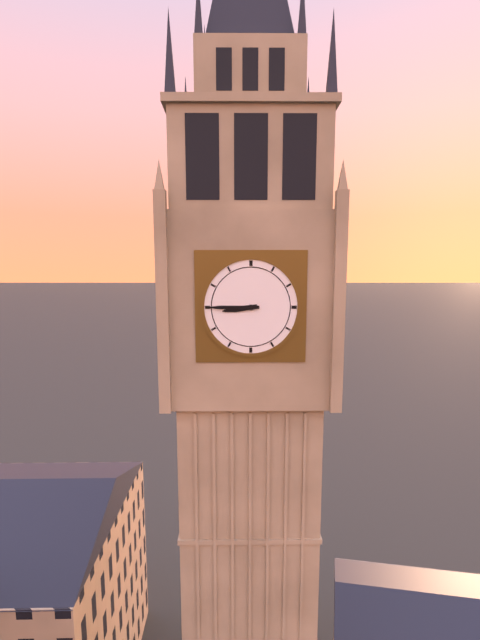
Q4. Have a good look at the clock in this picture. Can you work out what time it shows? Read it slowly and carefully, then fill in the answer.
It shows 8:45
